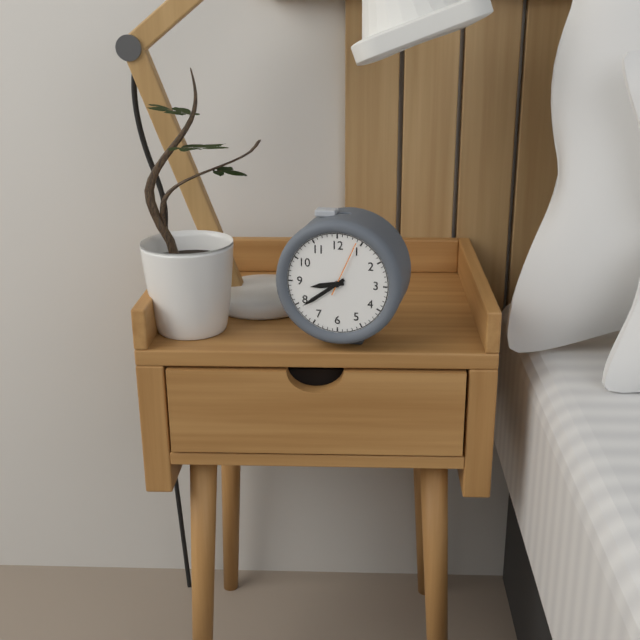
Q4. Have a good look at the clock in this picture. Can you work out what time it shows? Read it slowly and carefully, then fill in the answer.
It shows 8:39
